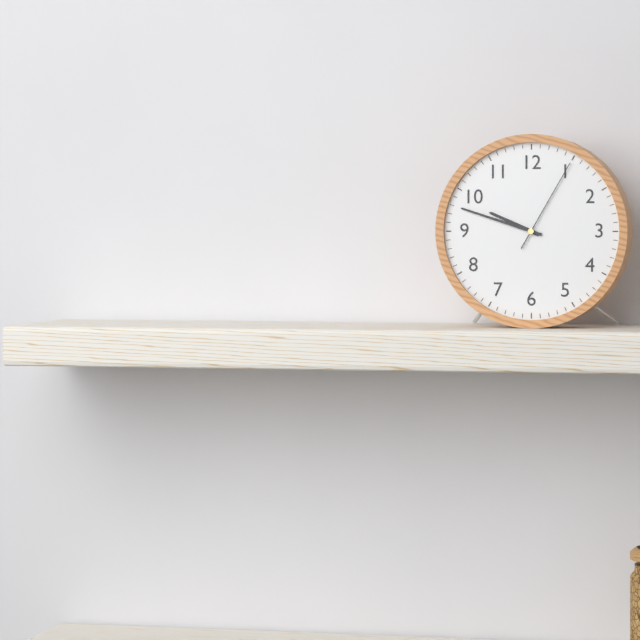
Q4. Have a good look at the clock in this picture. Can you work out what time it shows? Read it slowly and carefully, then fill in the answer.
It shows 9:48:05
